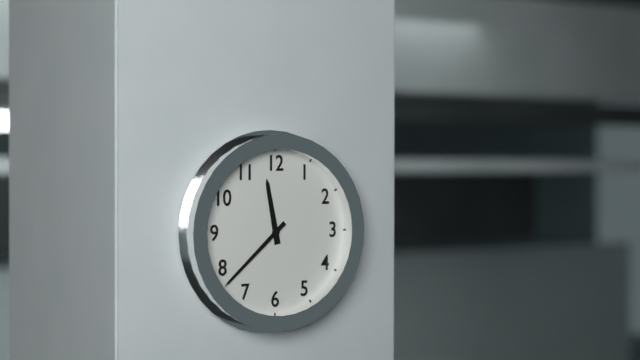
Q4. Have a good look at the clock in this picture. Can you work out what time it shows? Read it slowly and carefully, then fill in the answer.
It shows 11:38
